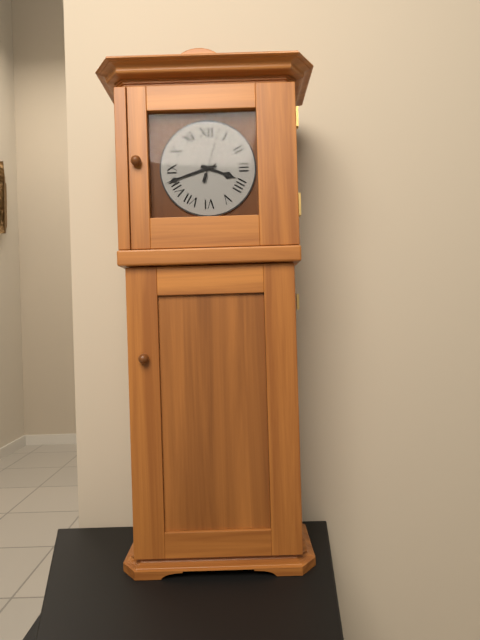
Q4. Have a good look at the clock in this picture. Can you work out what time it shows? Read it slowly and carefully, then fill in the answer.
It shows 3:42:03
